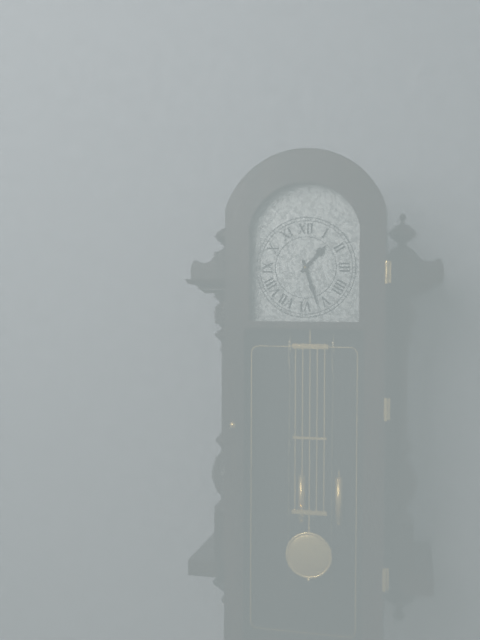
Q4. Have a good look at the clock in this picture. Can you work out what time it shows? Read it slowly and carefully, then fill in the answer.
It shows 1:27
